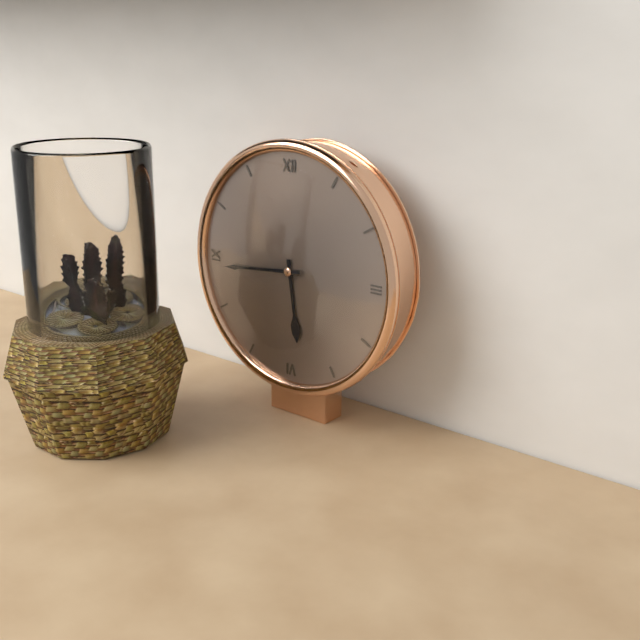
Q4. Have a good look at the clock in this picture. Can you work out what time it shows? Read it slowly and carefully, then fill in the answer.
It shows 5:44
